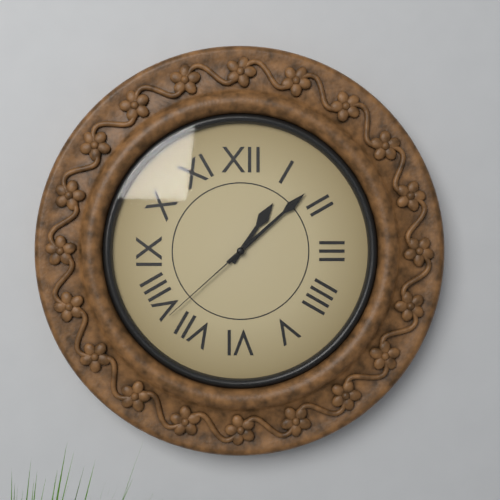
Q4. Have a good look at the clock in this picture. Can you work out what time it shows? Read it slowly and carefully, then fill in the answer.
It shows 1:08:38
